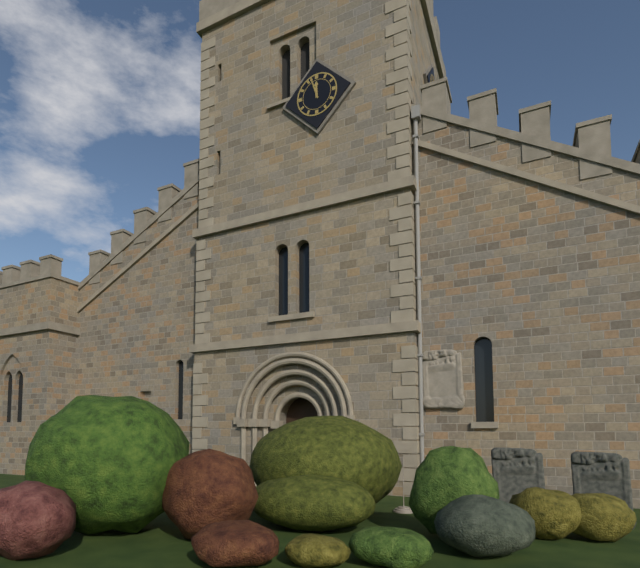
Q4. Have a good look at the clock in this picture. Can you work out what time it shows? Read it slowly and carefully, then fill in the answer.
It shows 11:57
